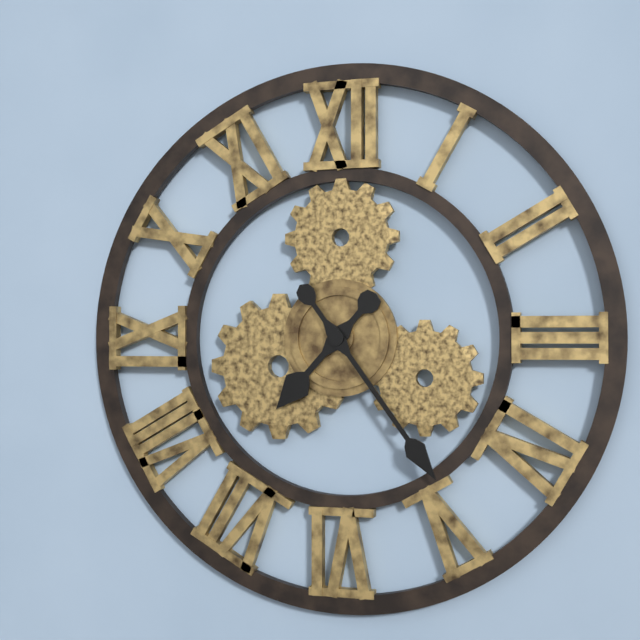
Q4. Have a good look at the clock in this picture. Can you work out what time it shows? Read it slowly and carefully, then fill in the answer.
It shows 7:24
